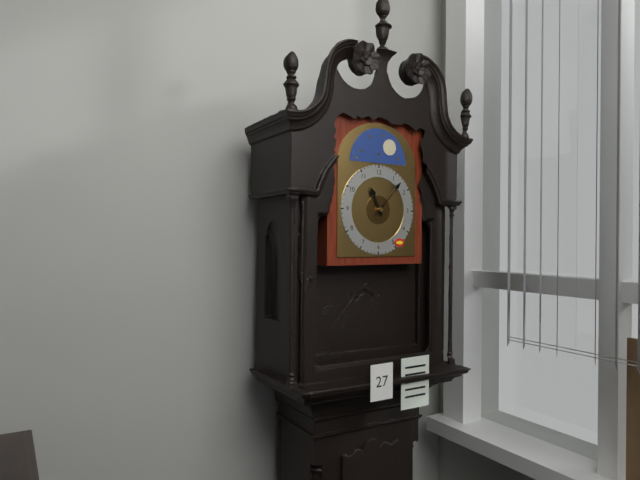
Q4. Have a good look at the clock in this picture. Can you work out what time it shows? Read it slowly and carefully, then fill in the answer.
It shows 11:07
